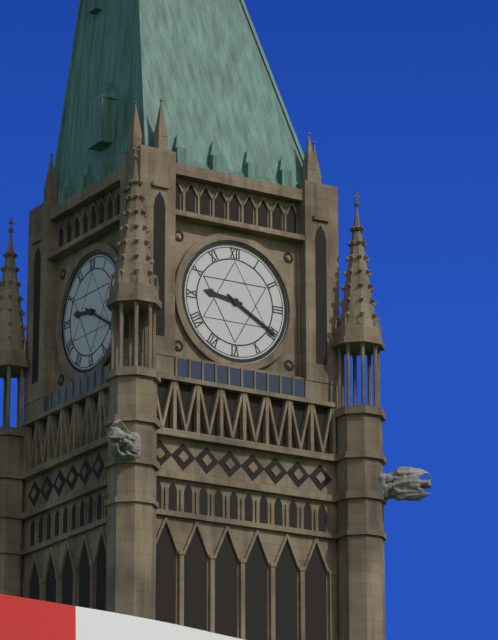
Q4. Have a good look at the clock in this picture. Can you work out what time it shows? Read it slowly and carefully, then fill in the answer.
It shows 9:20
